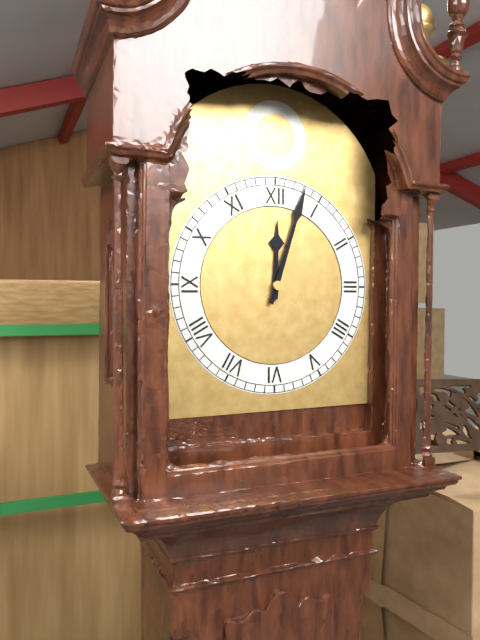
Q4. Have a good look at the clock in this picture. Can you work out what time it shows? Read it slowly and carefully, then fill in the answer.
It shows 12:03
